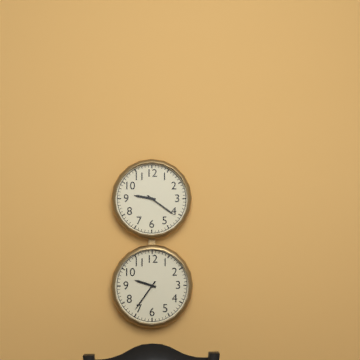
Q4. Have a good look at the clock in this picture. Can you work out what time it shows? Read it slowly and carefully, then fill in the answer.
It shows 9:21
